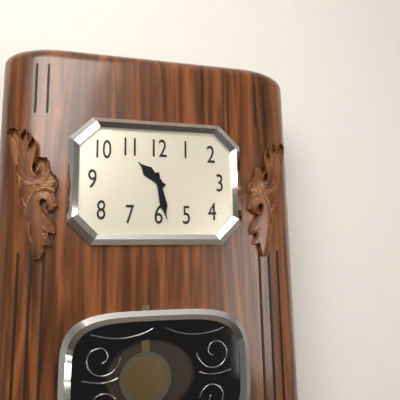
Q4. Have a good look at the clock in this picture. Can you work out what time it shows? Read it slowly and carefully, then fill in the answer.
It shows 10:28
